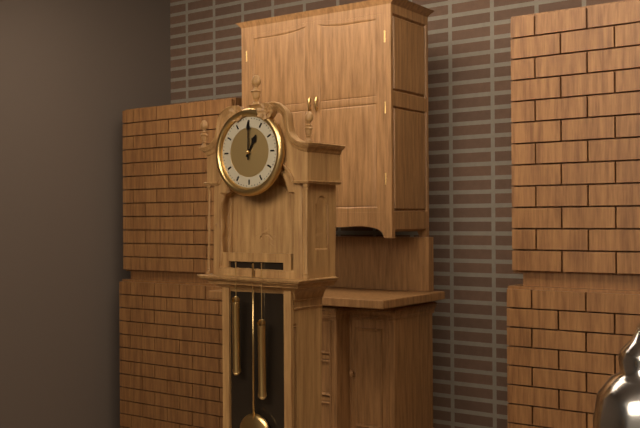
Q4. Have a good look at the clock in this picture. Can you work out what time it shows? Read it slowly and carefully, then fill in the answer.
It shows 1:00
